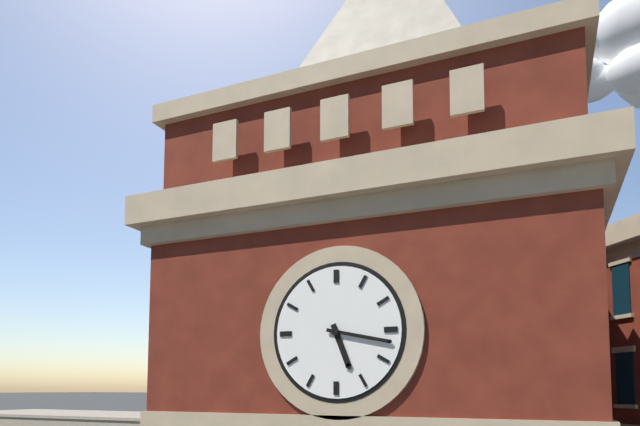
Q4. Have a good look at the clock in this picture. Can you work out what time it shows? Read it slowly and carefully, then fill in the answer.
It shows 5:17
